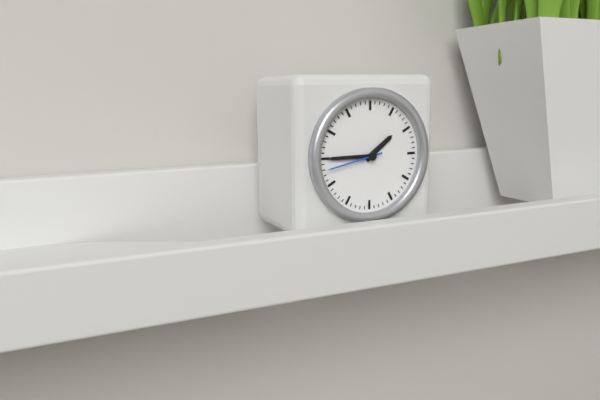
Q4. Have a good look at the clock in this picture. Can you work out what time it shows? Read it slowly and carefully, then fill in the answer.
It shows 1:45:43
